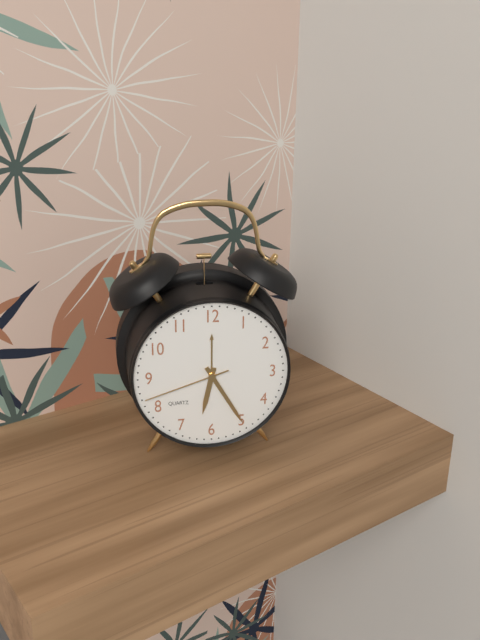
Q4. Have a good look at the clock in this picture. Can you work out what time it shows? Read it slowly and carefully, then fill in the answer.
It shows 6:25:42
